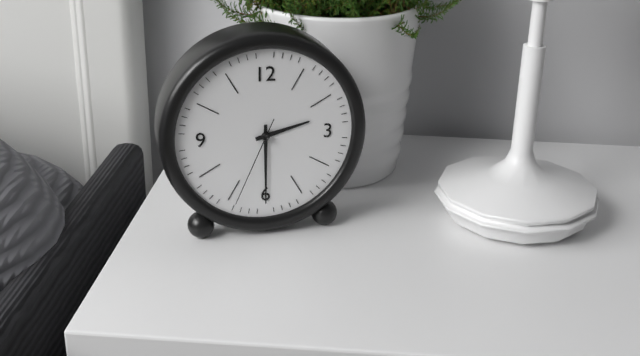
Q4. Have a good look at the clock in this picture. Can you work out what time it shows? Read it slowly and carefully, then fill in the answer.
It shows 2:30:34
